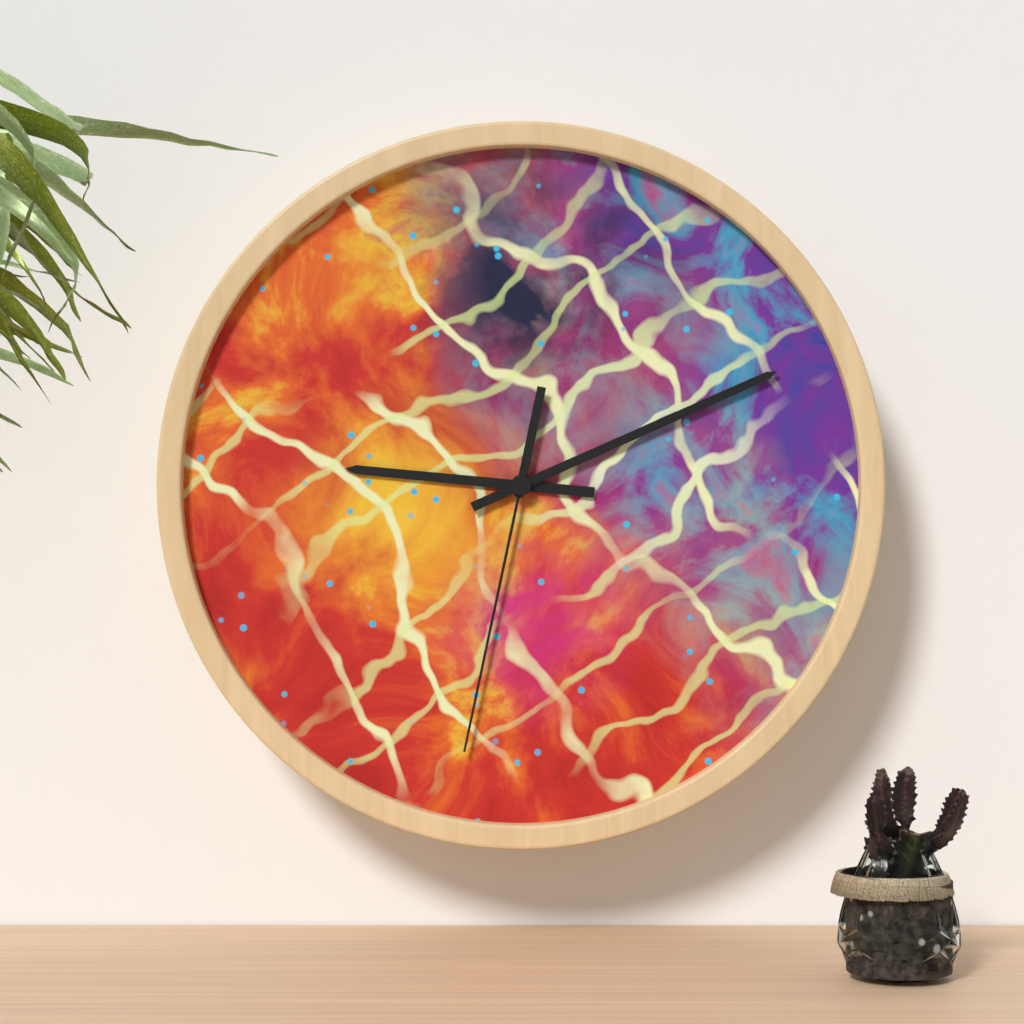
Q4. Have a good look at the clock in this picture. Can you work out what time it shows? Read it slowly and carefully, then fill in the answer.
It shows 9:11:32
